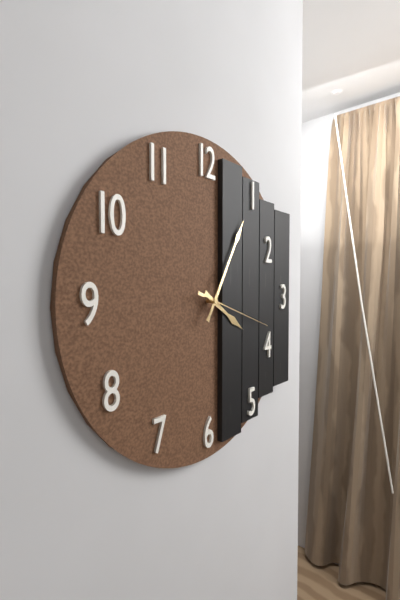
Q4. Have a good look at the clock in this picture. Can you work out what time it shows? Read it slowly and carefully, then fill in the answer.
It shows 4:05:18
